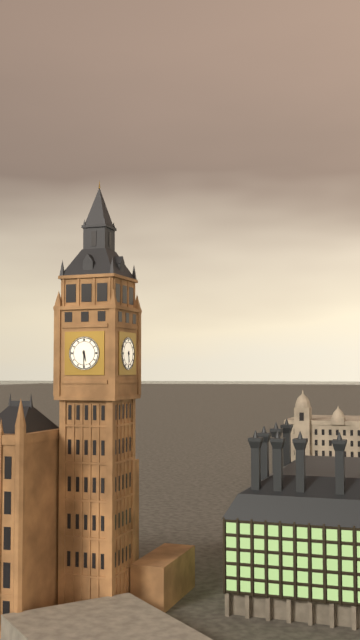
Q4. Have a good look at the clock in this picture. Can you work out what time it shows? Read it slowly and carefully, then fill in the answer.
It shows 5:30
